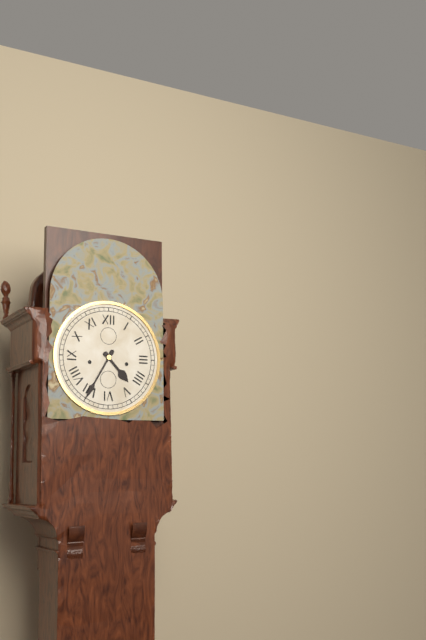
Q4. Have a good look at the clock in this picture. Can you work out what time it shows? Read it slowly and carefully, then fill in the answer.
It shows 4:35
